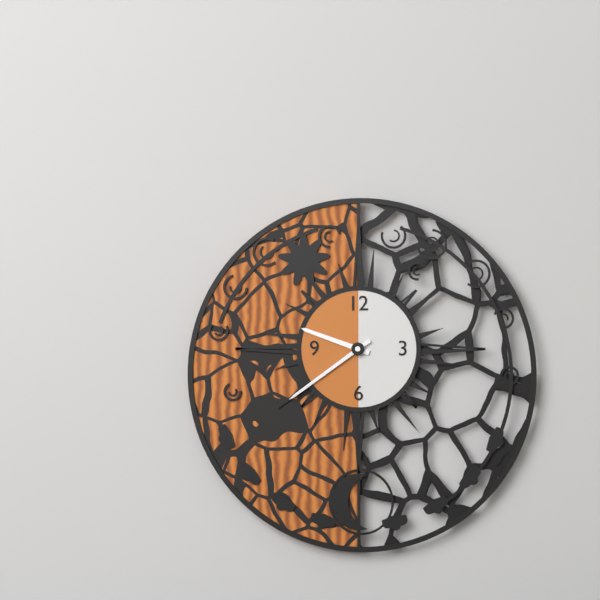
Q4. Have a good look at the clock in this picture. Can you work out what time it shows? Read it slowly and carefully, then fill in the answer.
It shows 9:39
